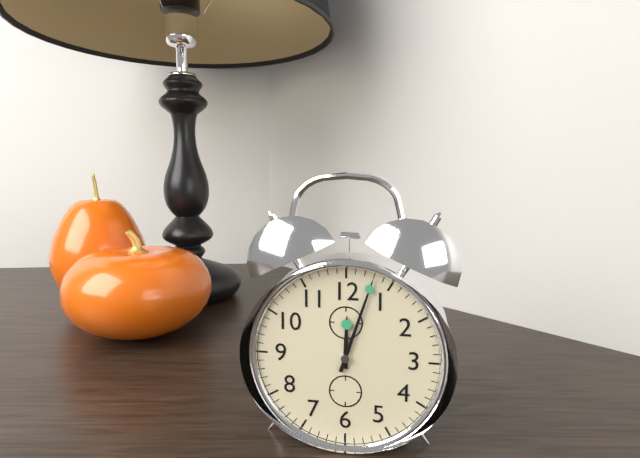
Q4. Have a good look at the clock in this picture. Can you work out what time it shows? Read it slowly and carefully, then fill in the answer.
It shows 12:03
